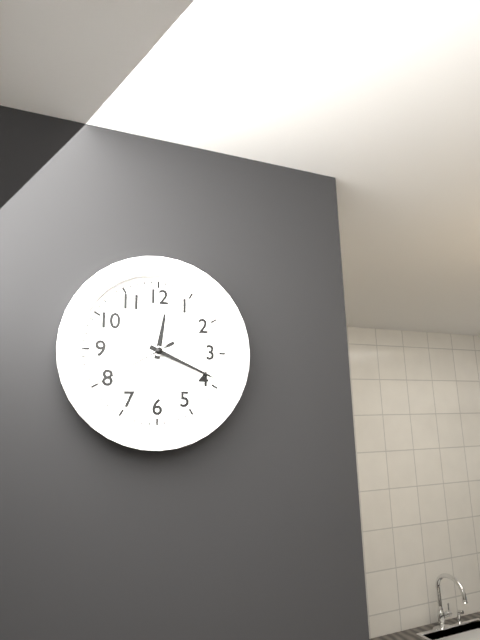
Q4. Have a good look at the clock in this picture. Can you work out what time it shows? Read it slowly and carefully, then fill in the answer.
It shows 12:19:40
